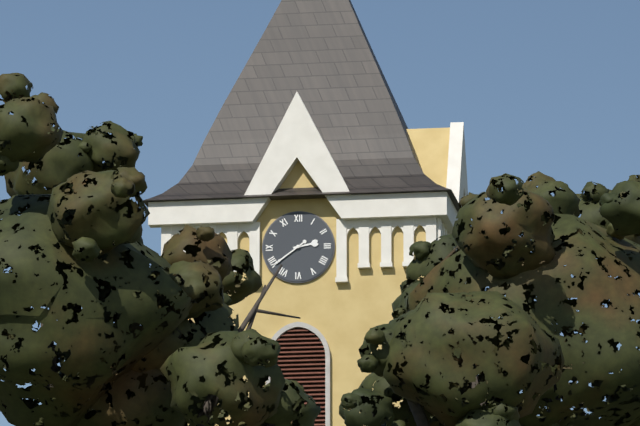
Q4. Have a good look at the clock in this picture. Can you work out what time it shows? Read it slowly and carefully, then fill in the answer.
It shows 2:39
